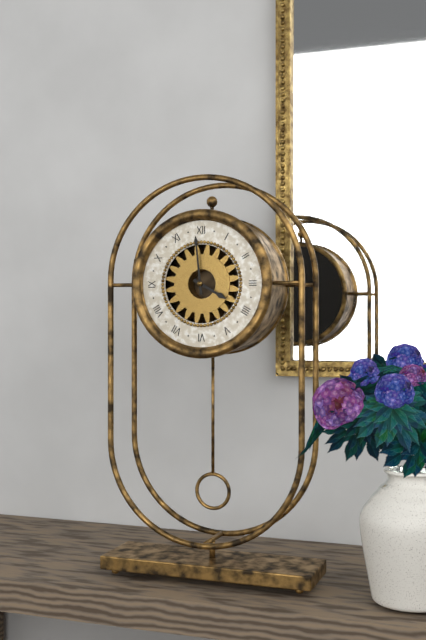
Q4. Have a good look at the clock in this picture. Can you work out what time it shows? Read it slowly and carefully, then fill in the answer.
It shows 3:59
